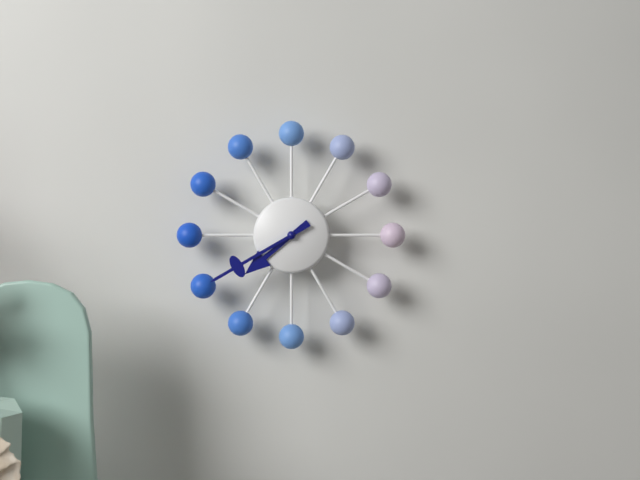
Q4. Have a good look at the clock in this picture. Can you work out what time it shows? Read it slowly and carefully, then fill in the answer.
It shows 7:40
